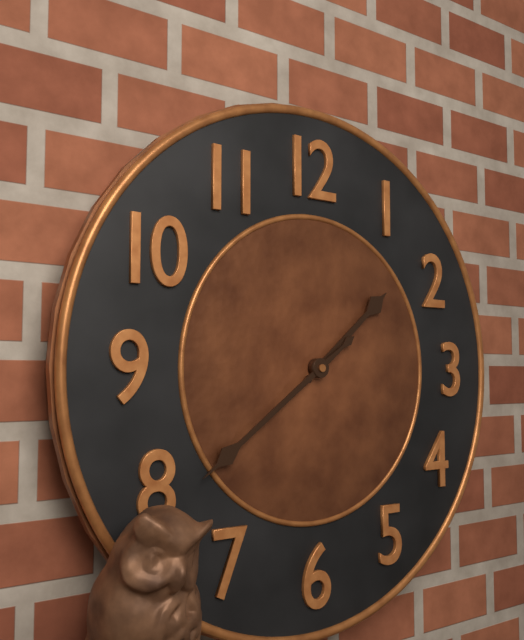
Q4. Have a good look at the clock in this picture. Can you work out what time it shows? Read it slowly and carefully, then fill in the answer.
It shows 1:39
